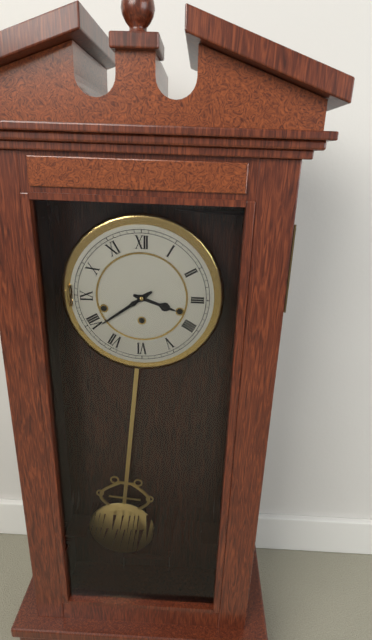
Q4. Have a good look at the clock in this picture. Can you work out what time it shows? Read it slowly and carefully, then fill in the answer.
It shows 3:39
